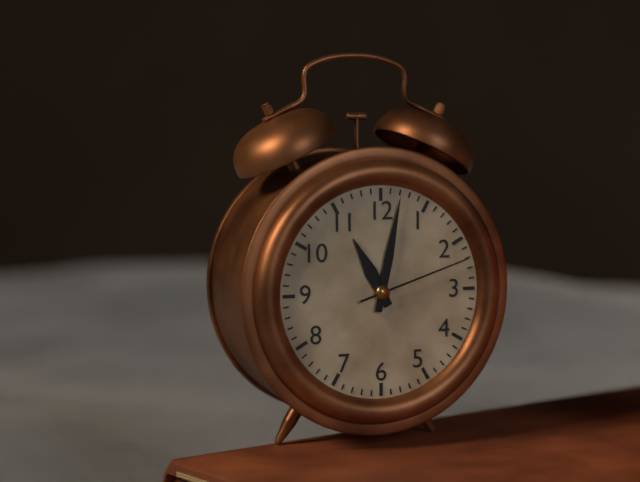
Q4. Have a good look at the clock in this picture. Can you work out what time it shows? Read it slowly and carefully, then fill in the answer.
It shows 11:02:12
